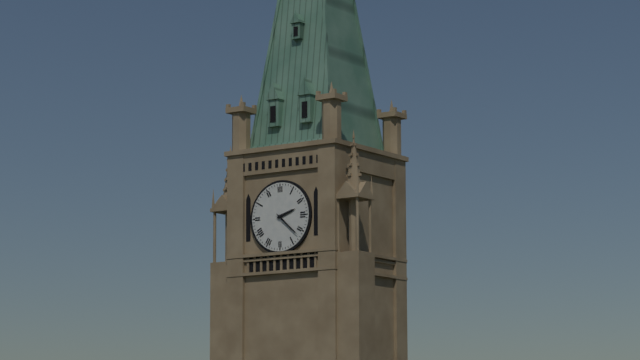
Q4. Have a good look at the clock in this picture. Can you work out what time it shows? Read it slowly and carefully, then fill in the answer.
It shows 2:22
